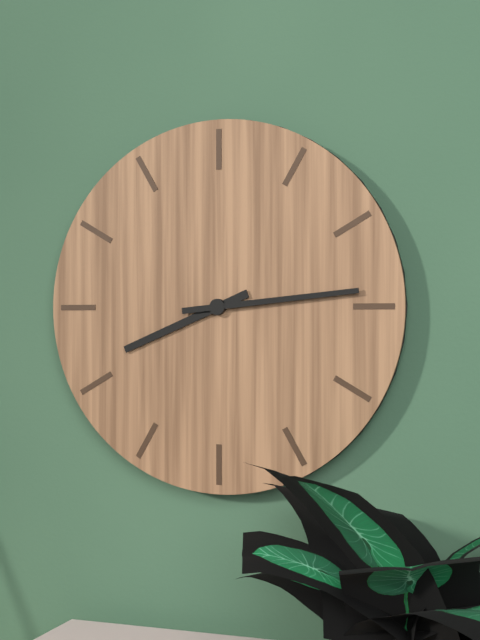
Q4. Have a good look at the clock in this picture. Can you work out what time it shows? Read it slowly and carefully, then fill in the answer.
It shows 8:14
